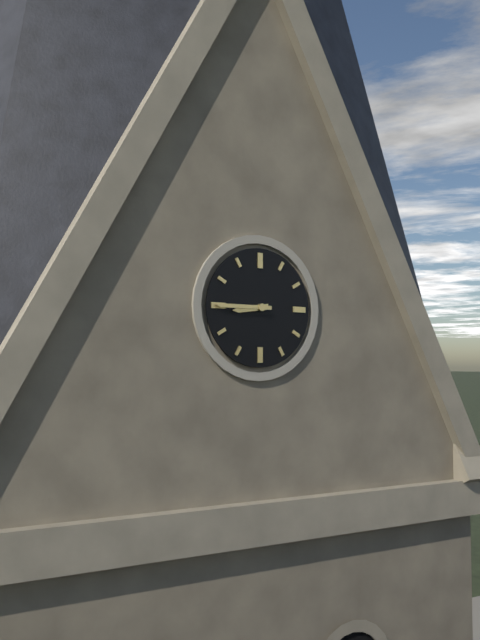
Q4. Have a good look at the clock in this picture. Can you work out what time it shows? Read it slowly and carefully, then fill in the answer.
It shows 8:45
